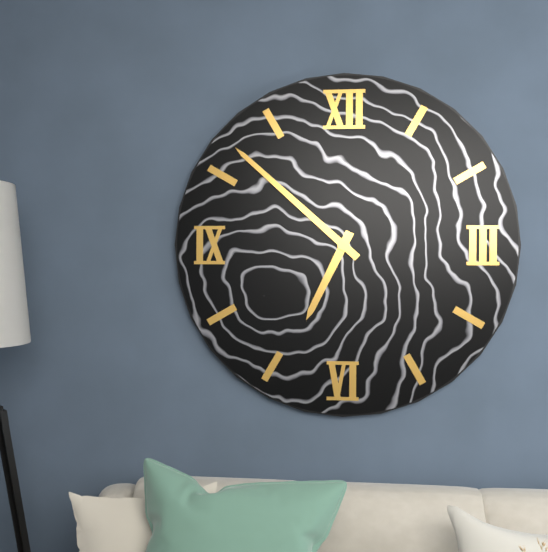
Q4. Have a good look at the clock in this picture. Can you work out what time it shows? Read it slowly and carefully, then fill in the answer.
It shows 6:52
